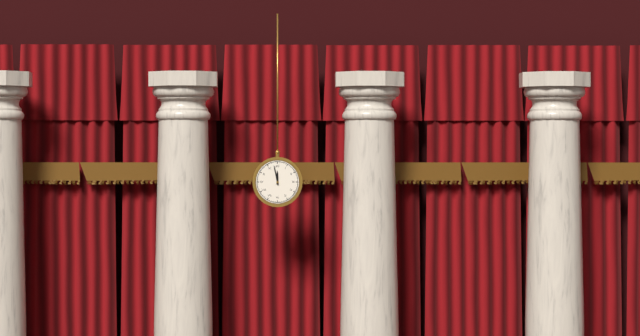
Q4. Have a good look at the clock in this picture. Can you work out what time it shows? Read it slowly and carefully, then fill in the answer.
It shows 11:58
